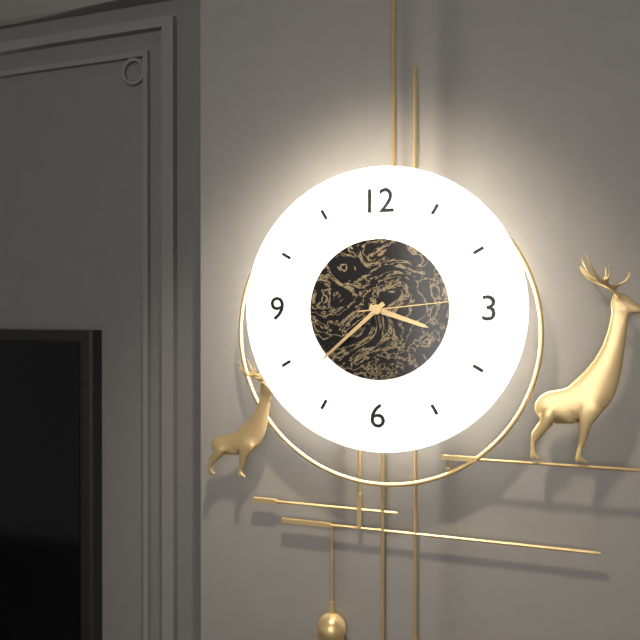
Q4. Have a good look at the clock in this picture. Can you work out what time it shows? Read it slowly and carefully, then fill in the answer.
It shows 3:38:14
